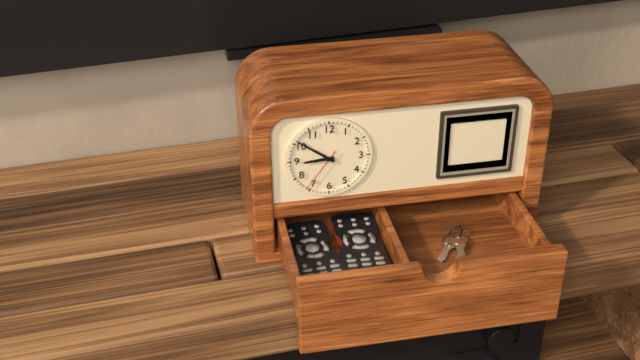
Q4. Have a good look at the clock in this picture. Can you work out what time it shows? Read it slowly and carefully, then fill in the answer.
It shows 8:51
